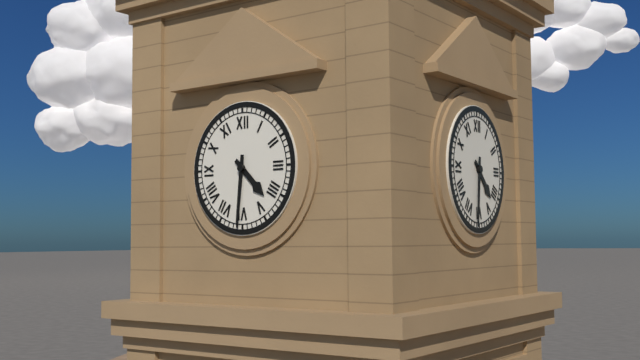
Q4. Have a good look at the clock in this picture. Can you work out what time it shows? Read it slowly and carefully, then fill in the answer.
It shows 4:31
